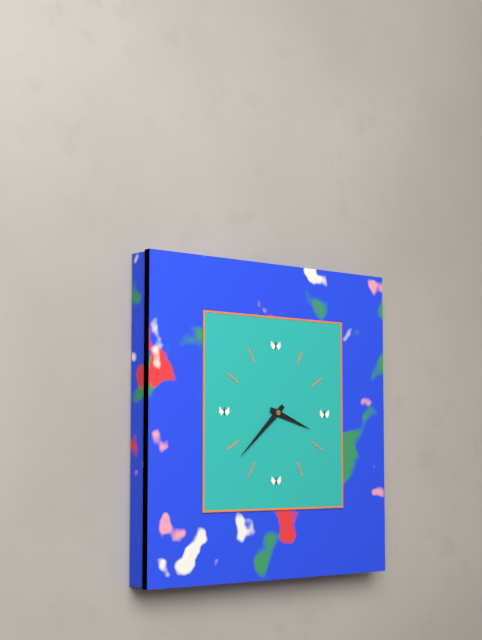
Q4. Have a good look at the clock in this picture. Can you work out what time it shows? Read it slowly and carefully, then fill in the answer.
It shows 3:38
